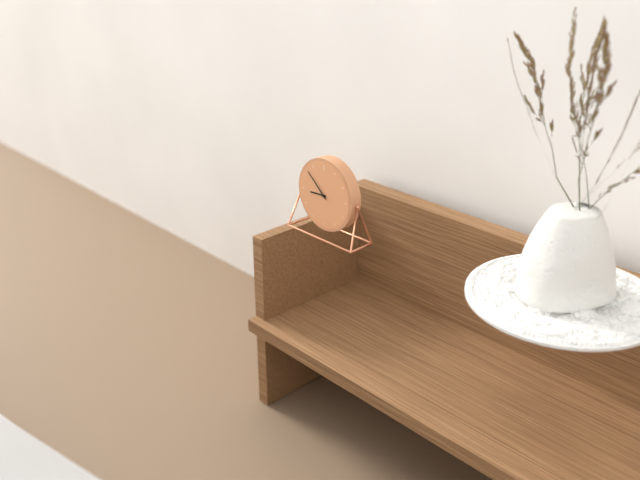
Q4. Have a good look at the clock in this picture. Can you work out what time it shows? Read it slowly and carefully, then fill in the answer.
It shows 8:52
